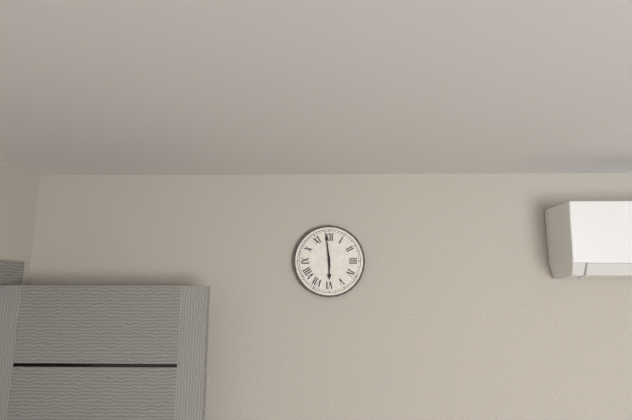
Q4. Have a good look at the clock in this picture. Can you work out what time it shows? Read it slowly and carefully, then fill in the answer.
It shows 5:59
